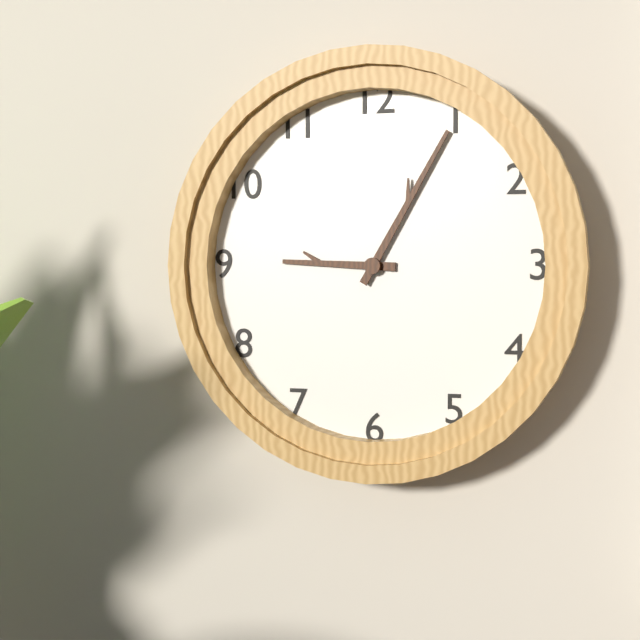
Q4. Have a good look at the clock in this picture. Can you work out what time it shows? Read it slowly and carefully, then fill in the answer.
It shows 9:05
